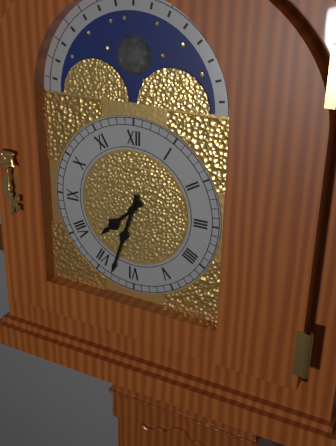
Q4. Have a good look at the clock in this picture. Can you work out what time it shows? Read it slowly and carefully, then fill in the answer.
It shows 7:33
